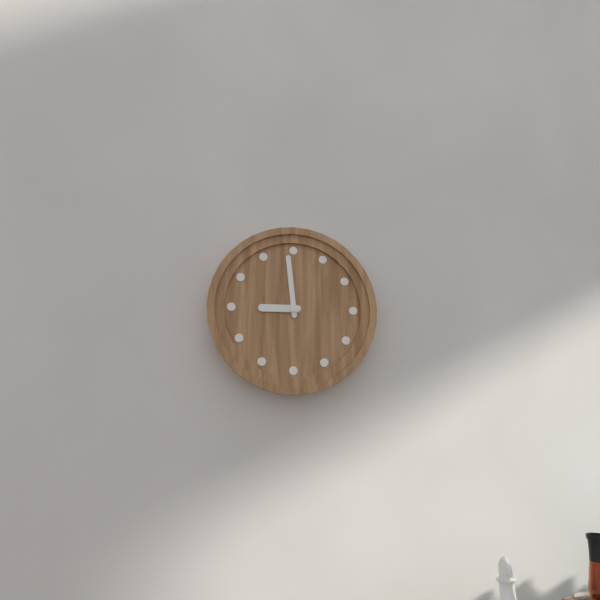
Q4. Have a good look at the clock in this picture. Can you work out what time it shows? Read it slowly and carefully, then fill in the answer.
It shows 8:59
